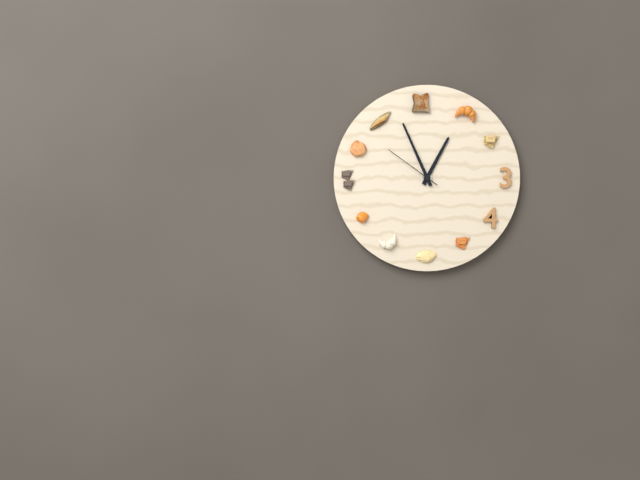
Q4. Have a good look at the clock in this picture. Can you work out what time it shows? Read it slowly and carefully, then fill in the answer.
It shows 12:56:51
